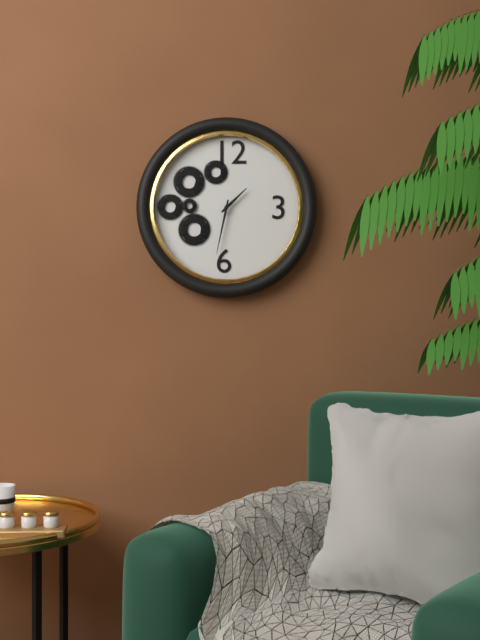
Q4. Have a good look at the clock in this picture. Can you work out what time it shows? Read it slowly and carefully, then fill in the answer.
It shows 1:32
